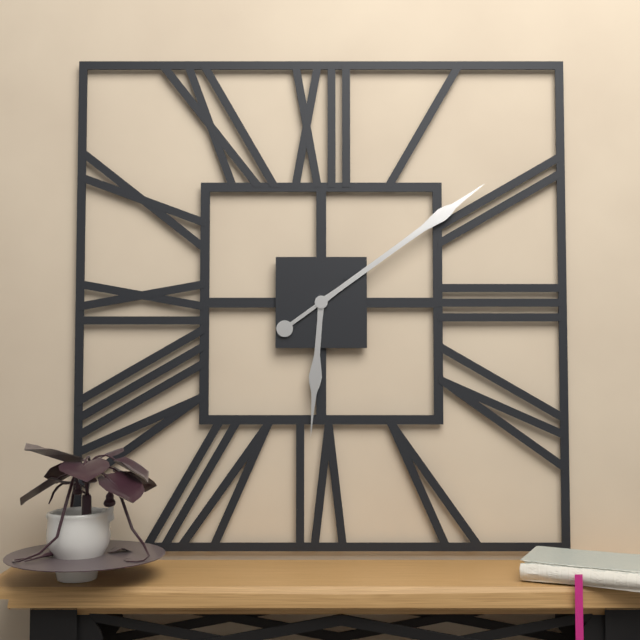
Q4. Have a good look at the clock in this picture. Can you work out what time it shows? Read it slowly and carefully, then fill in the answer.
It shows 6:09
